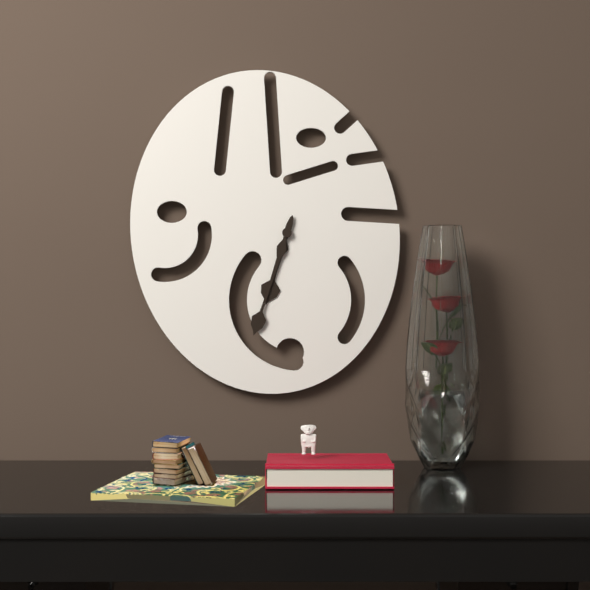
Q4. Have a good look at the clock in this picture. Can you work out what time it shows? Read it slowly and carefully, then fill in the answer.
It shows 6:33
